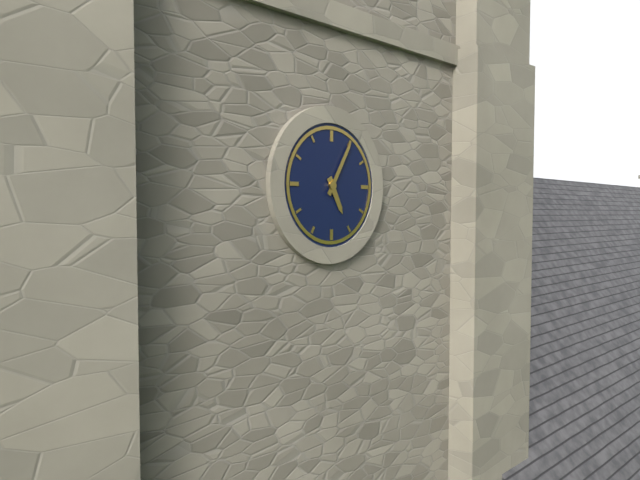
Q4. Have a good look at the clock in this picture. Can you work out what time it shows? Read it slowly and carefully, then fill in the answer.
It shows 5:05
